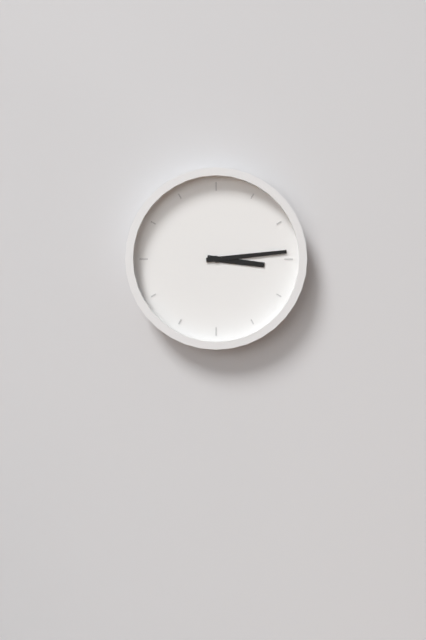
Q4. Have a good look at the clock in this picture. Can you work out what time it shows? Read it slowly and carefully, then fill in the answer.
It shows 3:14
